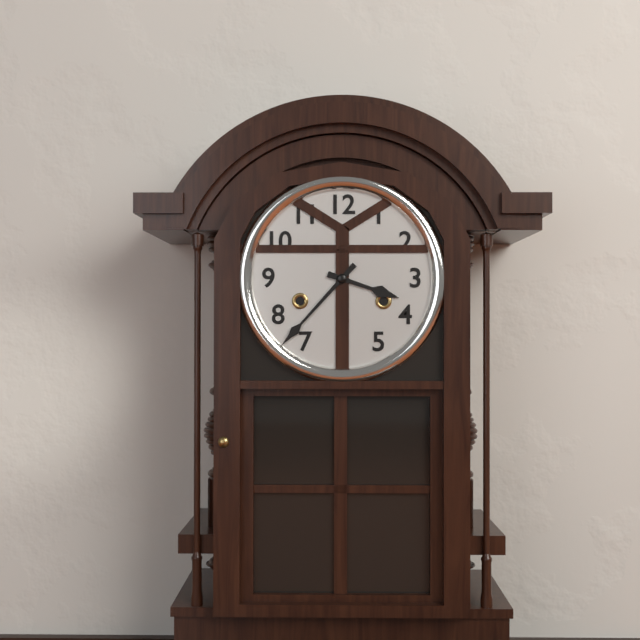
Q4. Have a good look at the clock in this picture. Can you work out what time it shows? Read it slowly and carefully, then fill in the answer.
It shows 3:37
